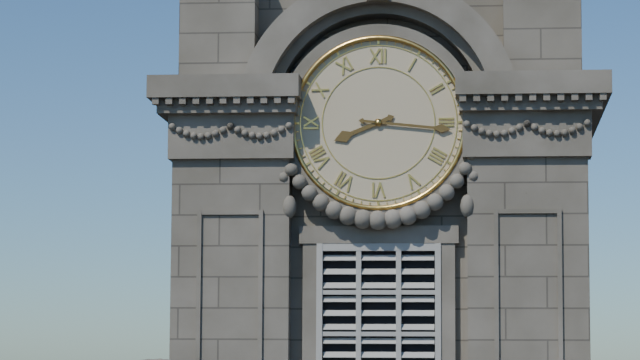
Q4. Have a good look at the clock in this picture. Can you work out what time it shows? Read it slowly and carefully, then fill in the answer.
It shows 8:16
